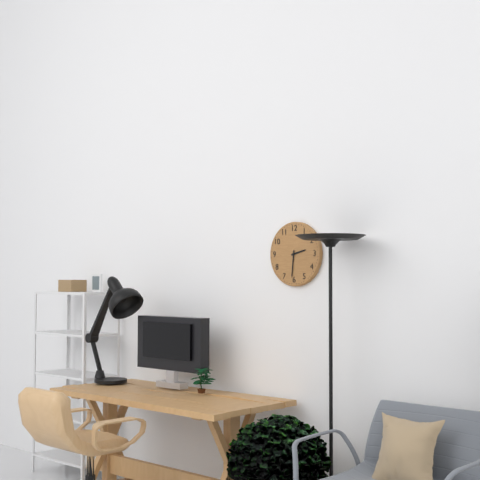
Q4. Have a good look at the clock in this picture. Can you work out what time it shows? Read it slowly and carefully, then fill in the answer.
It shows 2:31
